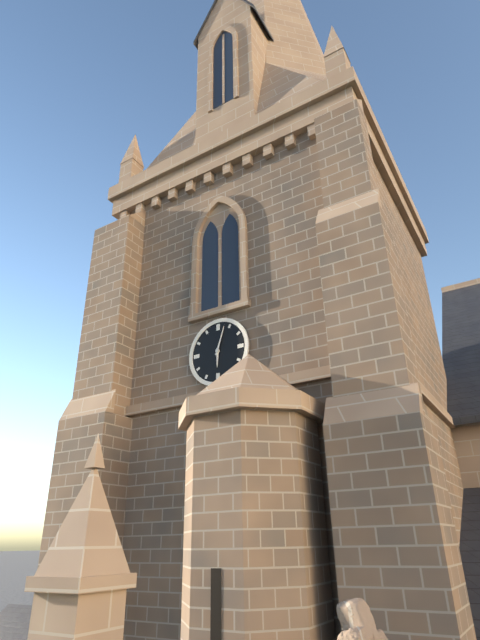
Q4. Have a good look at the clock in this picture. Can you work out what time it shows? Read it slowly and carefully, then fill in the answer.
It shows 6:03
